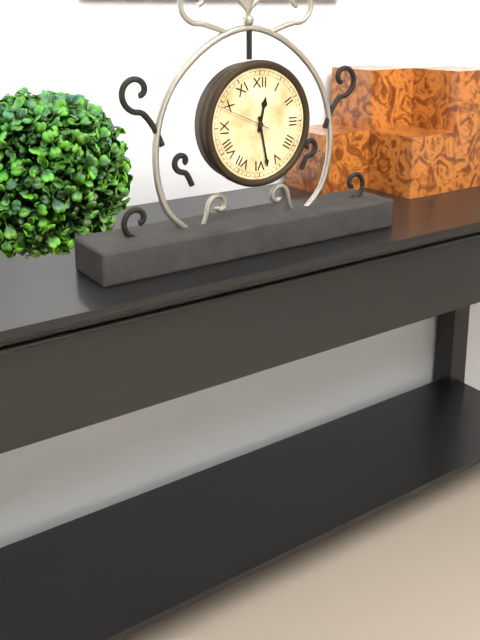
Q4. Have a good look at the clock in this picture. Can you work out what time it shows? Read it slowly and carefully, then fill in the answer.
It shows 12:28
